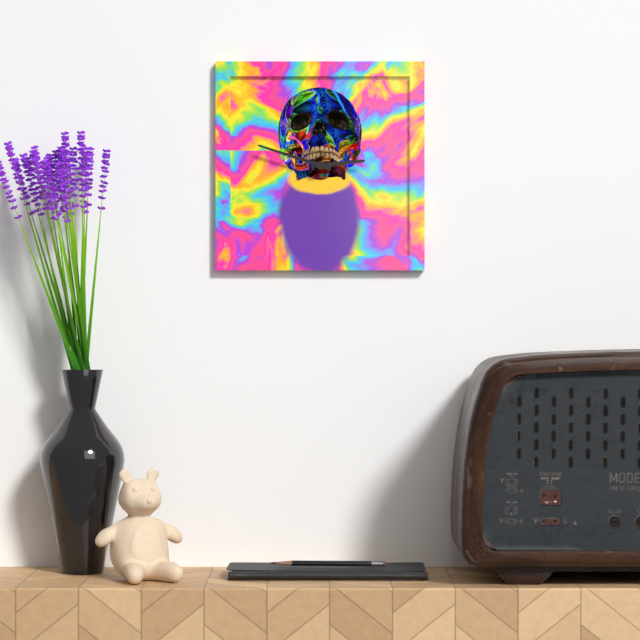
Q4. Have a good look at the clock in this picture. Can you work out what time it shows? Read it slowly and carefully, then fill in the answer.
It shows 2:48
